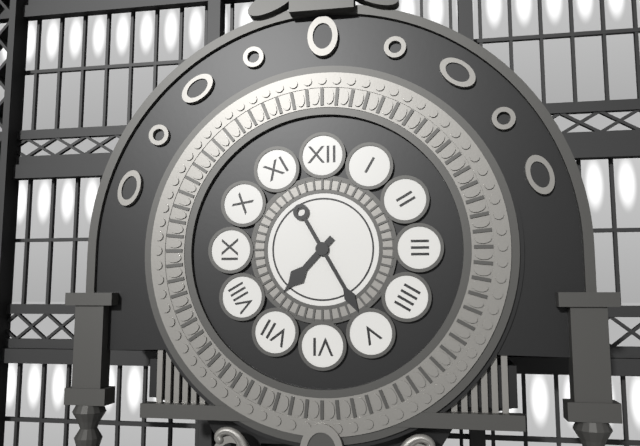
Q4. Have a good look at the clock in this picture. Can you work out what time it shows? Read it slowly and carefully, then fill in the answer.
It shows 7:25
